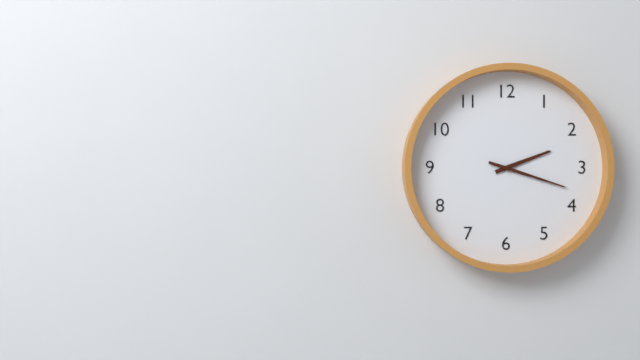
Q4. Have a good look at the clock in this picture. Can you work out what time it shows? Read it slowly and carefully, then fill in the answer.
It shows 2:18
